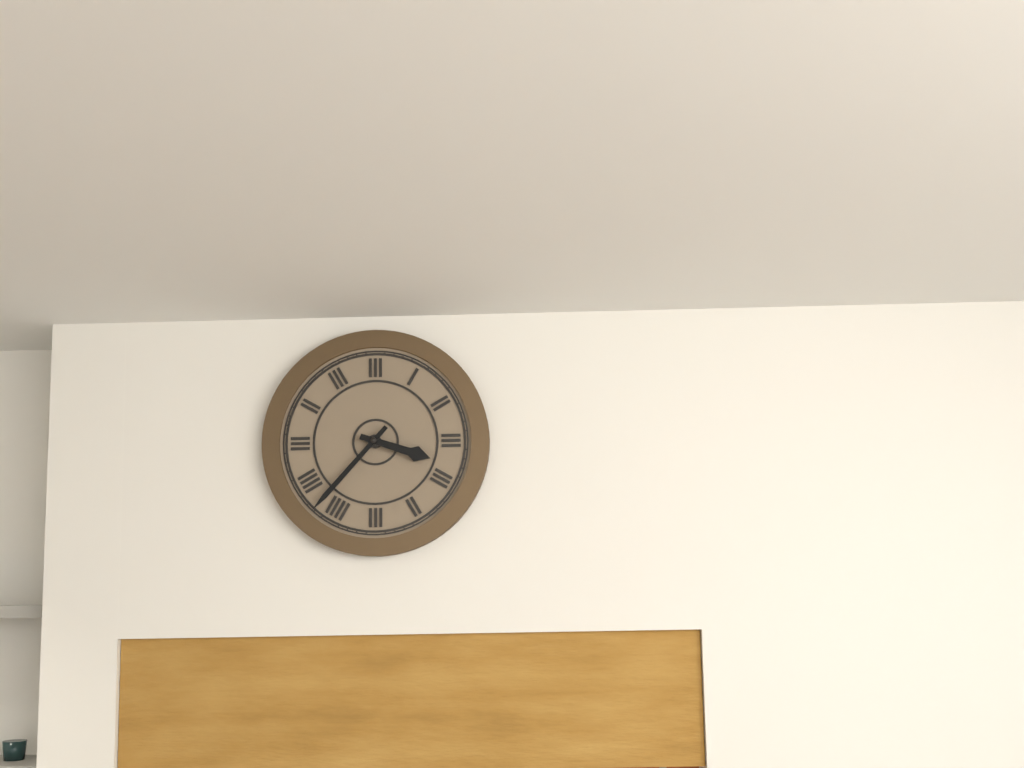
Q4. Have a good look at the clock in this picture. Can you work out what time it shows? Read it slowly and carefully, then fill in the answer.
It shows 3:37
